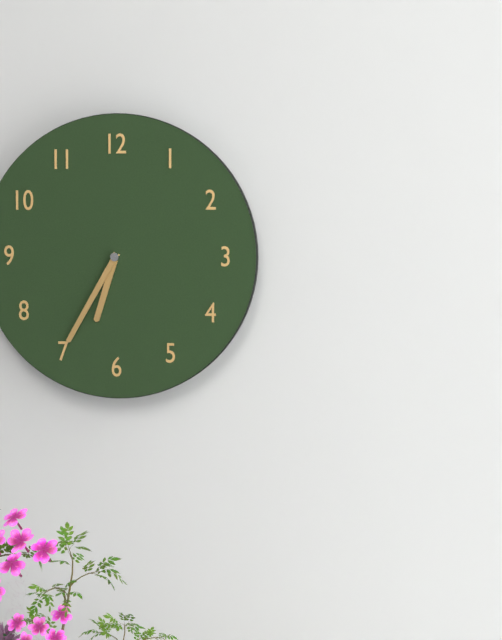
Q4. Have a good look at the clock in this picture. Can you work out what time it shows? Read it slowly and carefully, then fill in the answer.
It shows 6:35
